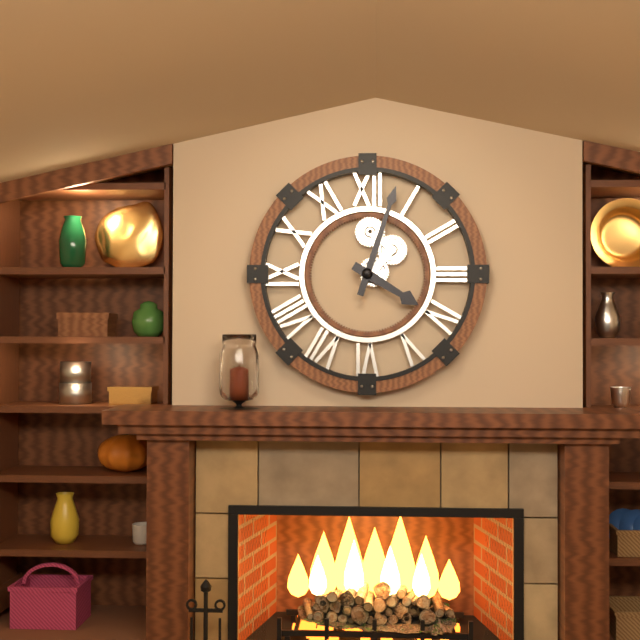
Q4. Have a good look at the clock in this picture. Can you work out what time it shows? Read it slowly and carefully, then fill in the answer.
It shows 4:03
